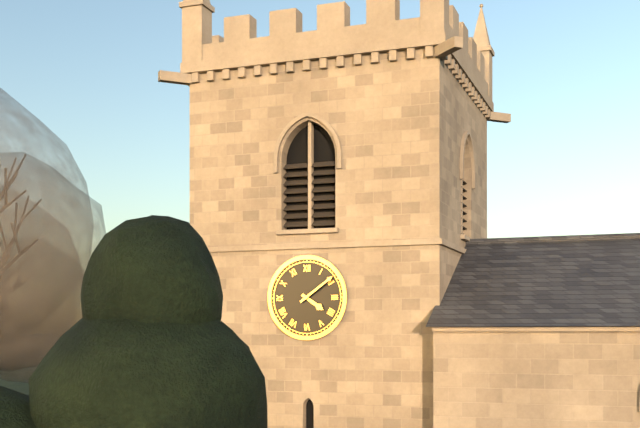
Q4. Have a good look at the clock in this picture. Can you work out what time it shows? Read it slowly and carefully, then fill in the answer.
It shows 4:09
